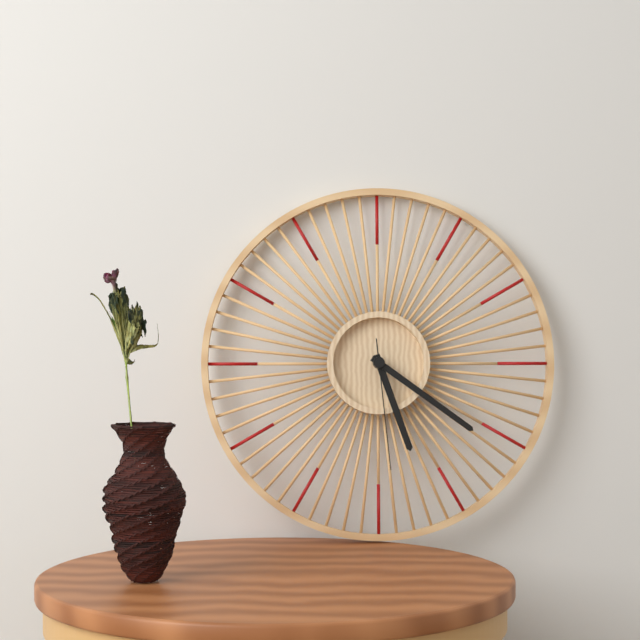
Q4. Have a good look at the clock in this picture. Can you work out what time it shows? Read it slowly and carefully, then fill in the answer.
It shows 5:21:29
